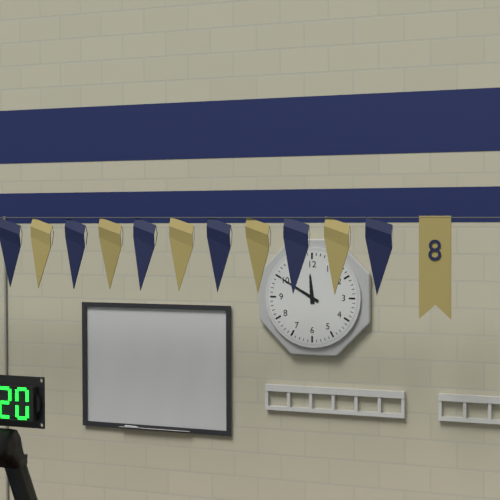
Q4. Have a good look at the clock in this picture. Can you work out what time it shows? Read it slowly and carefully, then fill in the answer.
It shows 11:50
